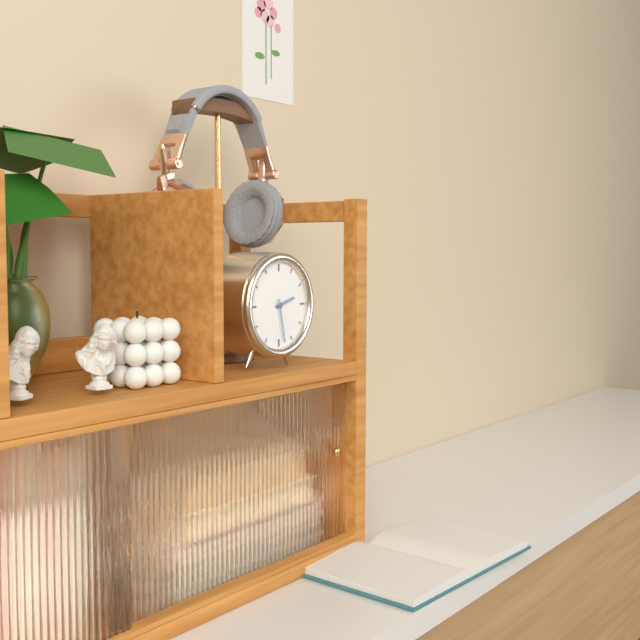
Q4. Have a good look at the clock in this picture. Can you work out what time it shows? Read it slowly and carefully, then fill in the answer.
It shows 2:28
